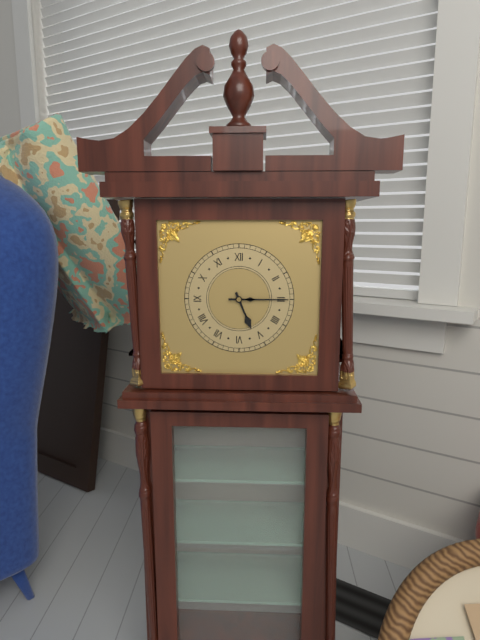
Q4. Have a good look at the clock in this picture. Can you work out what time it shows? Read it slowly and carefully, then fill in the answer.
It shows 5:15
